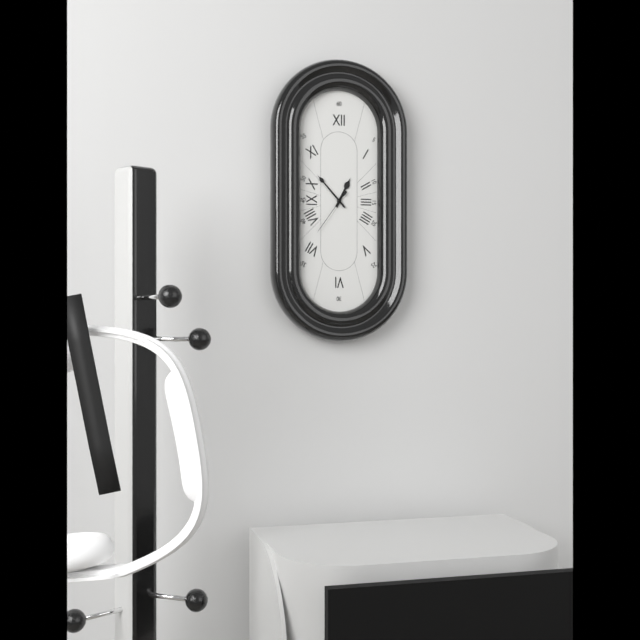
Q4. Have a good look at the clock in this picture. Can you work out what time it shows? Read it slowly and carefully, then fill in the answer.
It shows 12:53
